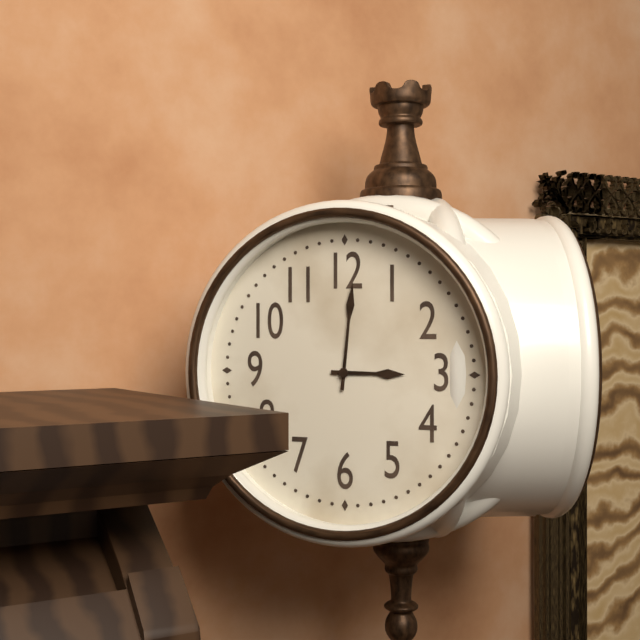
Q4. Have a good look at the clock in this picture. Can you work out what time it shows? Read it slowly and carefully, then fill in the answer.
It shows 3:01
